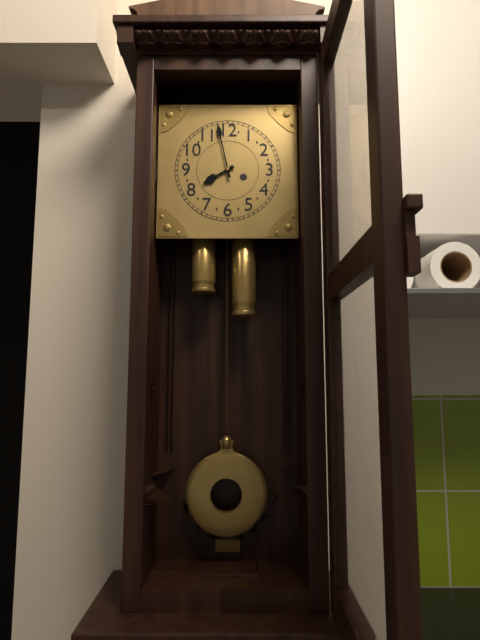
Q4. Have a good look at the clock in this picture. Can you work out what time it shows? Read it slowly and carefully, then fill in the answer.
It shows 7:58
